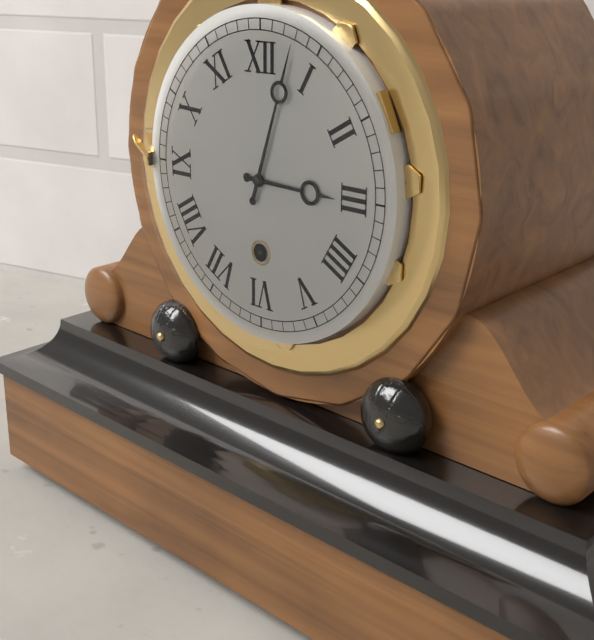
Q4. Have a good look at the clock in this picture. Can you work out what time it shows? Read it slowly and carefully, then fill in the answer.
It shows 3:03
